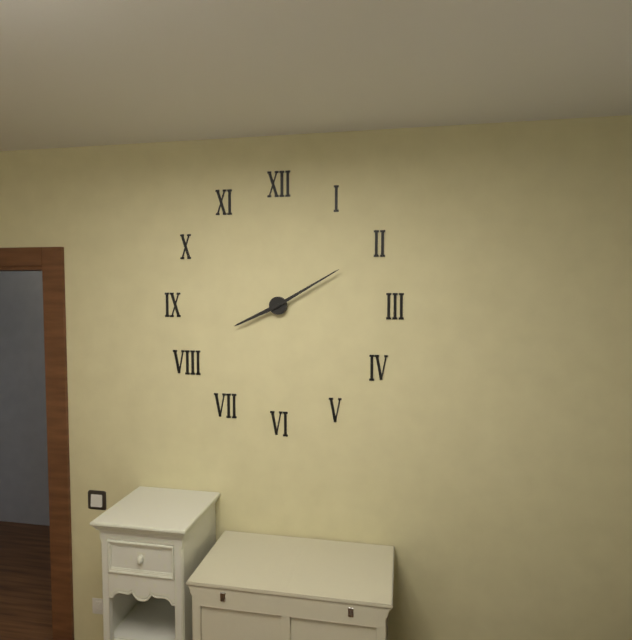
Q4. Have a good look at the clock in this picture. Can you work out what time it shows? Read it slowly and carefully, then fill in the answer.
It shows 8:10
